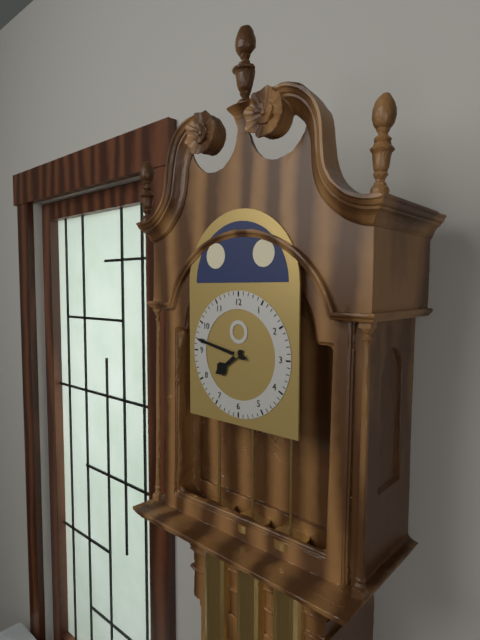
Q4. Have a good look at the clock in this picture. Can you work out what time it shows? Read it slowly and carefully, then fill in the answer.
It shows 7:47
